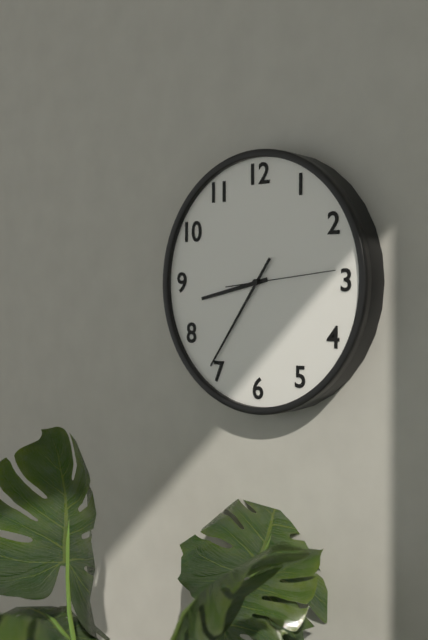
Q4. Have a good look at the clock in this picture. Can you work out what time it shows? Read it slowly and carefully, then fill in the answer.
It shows 8:36:14
